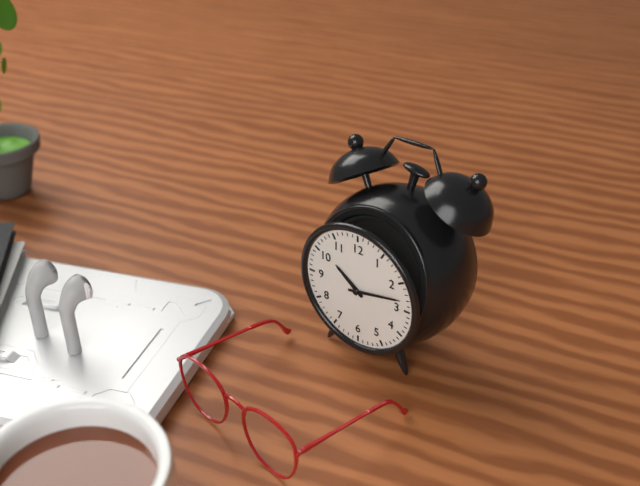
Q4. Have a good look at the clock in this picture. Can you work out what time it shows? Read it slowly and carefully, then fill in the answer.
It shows 10:13
